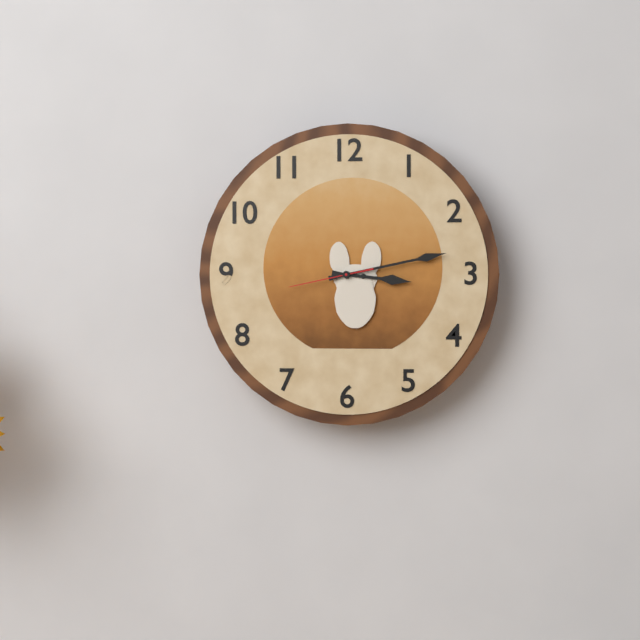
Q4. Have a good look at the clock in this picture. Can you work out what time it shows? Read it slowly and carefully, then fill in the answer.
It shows 3:13:43
